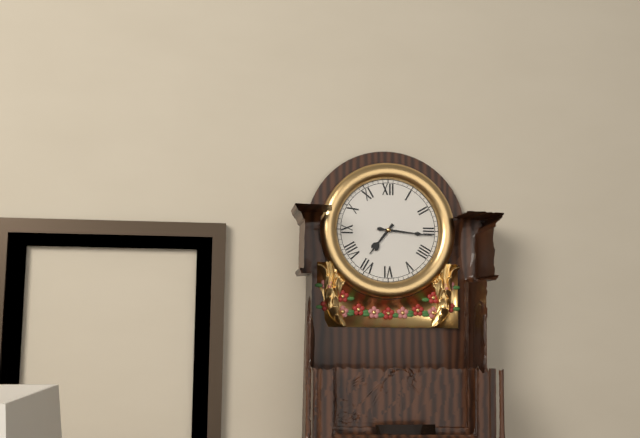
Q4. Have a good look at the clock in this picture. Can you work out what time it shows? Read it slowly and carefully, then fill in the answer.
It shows 7:16
